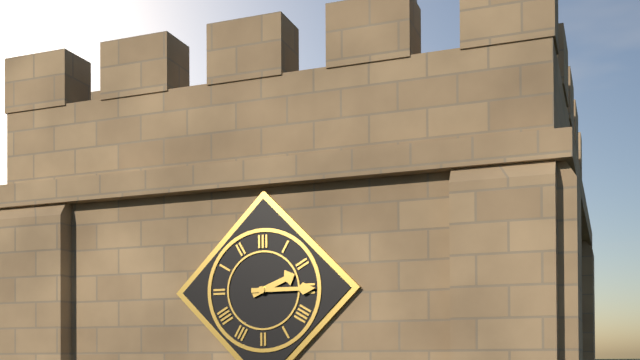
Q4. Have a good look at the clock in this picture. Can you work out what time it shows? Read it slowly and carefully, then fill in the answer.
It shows 2:15
